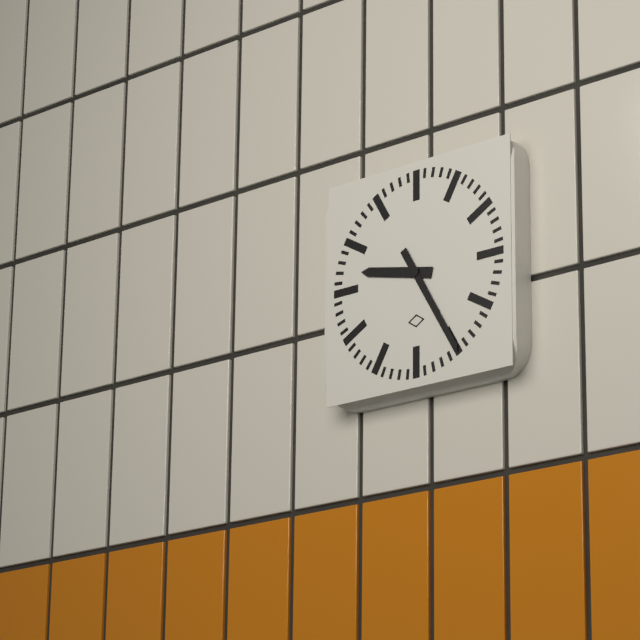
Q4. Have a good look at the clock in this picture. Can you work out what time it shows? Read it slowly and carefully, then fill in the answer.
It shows 9:25
